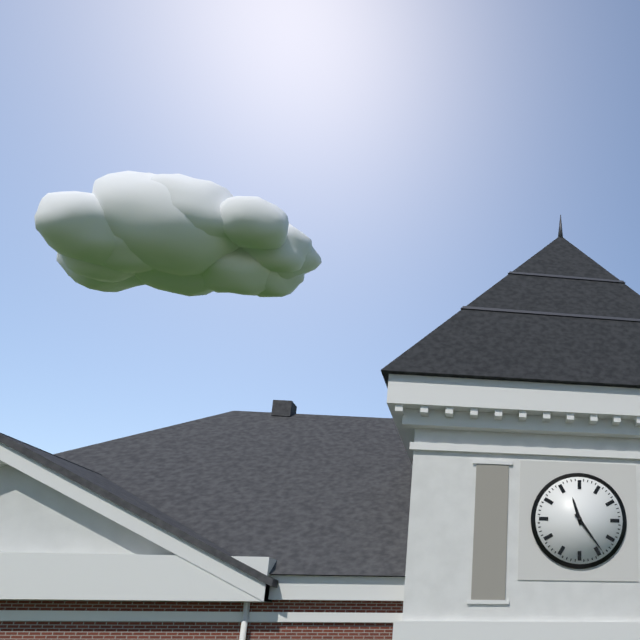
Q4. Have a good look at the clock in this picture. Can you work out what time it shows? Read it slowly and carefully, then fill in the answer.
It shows 11:24
